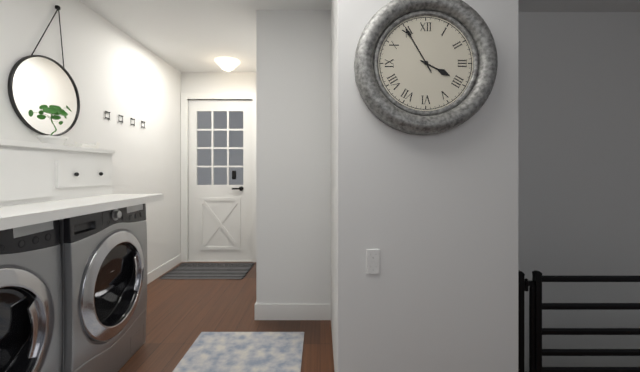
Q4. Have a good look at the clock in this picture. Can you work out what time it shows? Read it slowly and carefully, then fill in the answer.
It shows 3:55
